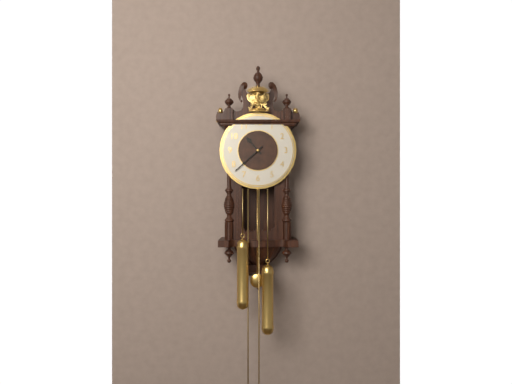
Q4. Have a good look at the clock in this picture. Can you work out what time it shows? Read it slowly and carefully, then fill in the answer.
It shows 10:38
